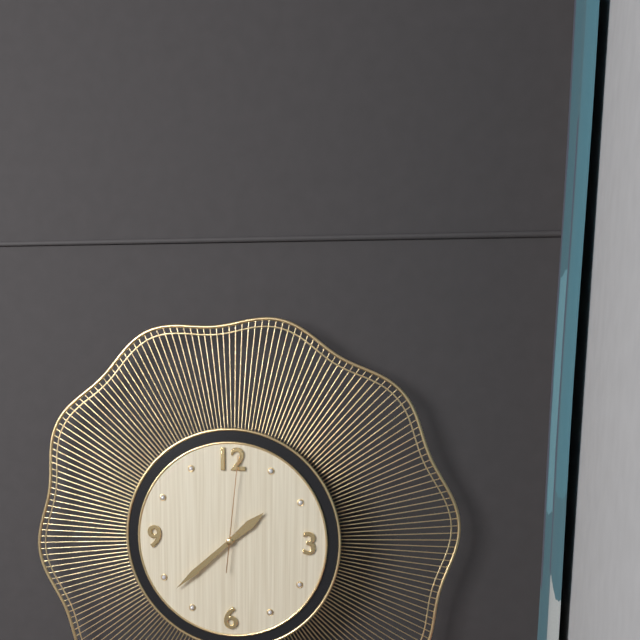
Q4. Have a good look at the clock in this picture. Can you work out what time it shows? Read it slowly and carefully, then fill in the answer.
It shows 1:38:01
